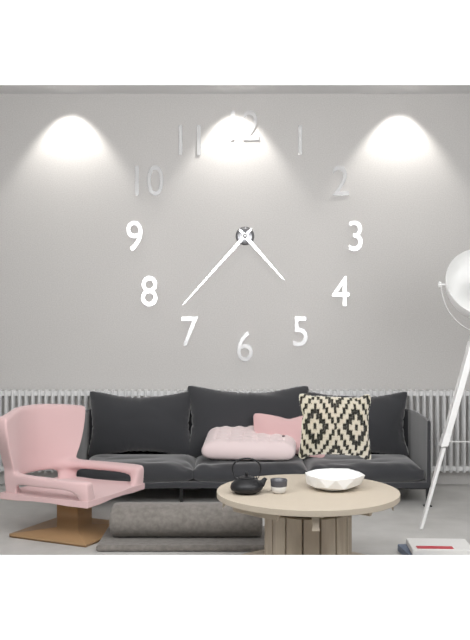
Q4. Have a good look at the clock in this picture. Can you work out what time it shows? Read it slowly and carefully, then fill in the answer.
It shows 4:37
